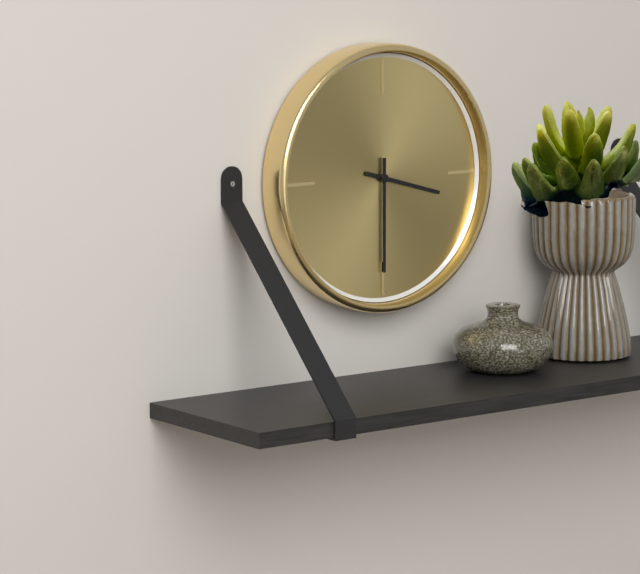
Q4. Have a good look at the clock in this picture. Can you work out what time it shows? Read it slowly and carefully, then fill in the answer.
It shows 3:30
